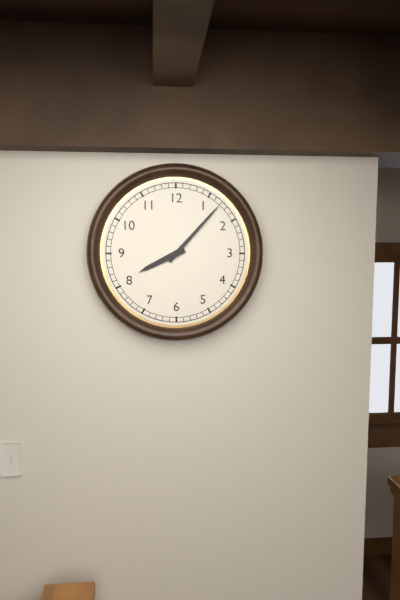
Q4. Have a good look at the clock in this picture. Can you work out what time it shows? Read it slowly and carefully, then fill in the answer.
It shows 8:07
